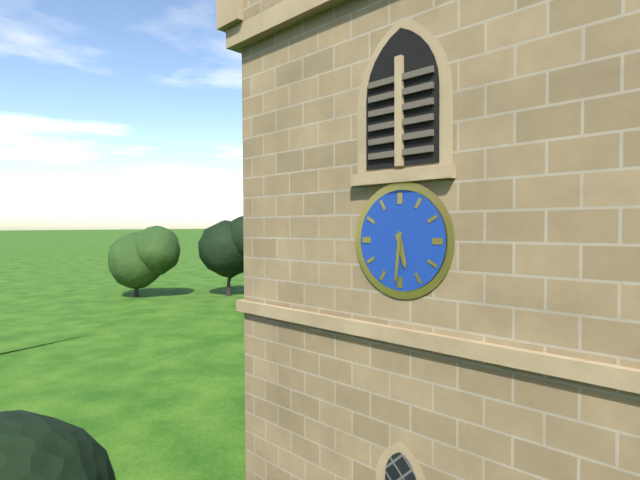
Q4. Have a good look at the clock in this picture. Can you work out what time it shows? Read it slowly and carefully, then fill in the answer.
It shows 5:31
